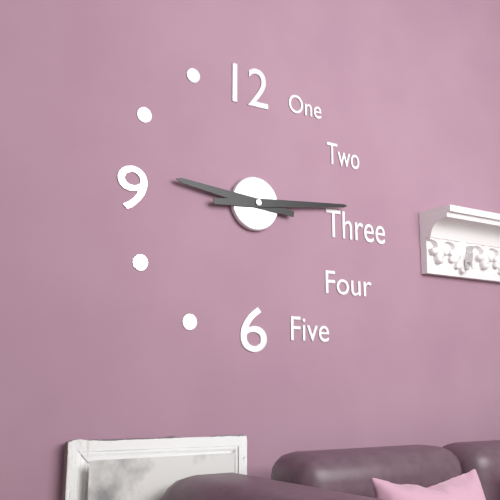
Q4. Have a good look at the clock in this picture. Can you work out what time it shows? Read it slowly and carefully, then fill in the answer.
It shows 9:14
